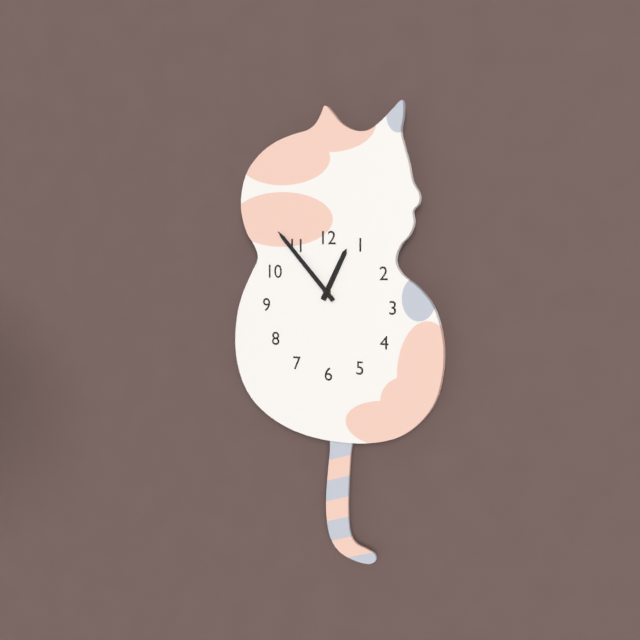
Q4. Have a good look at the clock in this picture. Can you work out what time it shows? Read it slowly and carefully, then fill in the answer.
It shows 12:53
